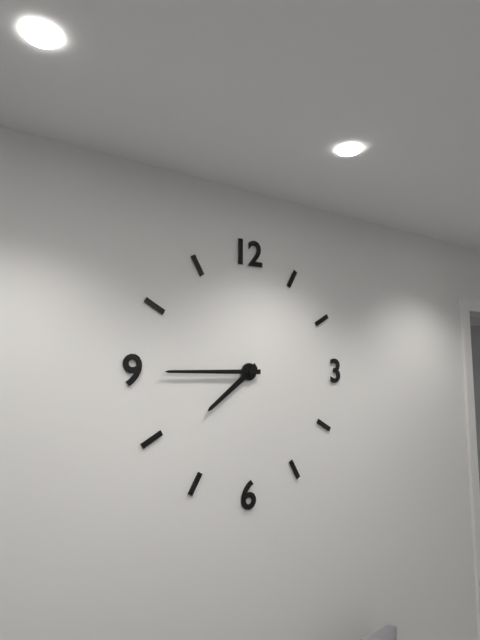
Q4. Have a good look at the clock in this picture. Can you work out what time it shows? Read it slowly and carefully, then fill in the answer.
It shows 7:45
